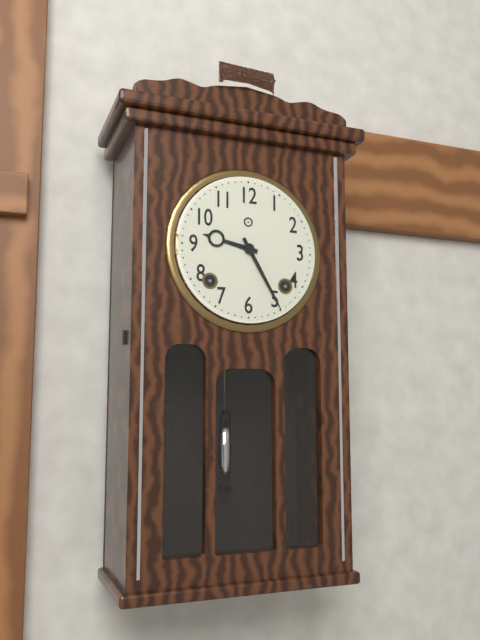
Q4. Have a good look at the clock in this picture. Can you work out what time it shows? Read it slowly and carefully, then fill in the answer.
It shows 9:25
